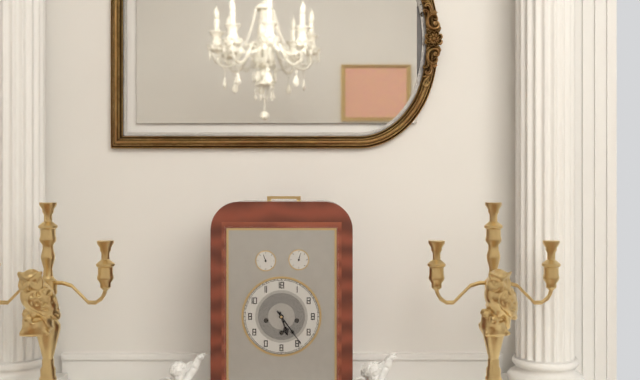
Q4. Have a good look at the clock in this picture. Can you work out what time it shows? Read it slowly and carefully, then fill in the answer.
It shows 5:24
